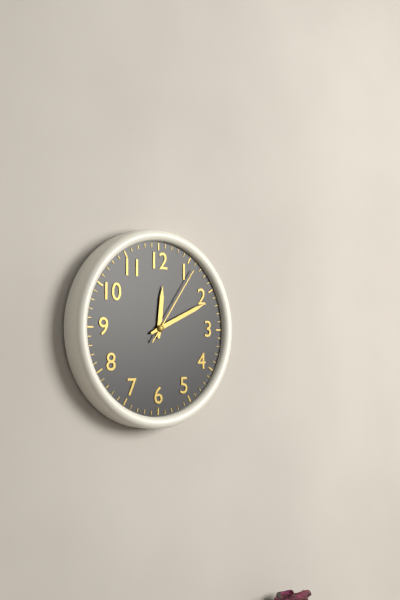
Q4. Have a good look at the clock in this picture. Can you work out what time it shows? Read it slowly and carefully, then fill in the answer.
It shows 12:11:06
